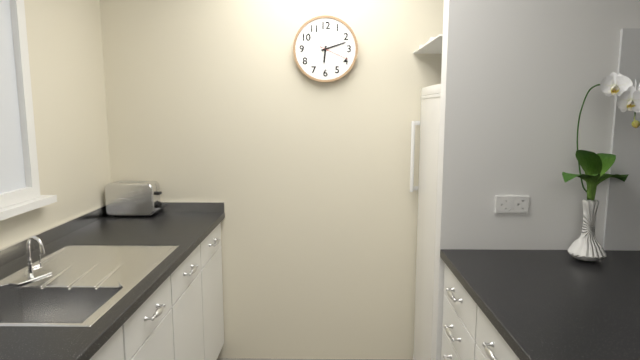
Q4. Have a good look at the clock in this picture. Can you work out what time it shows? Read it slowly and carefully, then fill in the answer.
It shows 6:12
